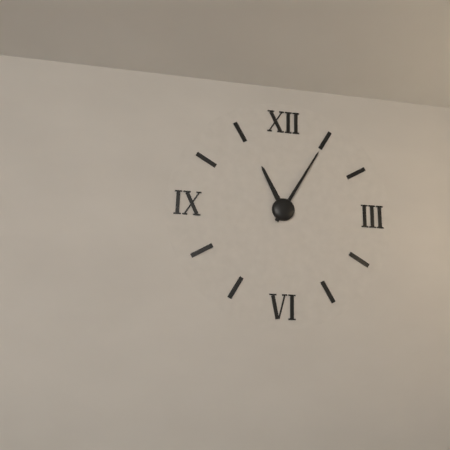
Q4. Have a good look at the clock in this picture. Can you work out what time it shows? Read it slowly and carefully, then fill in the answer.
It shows 11:05
